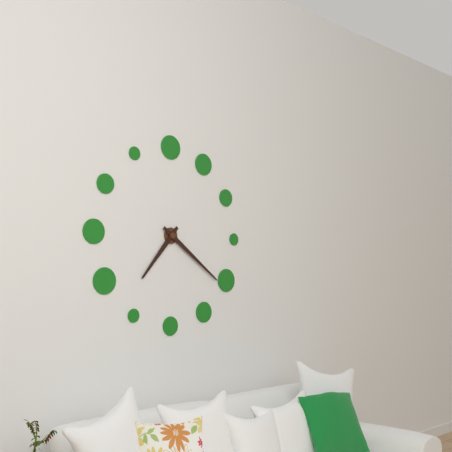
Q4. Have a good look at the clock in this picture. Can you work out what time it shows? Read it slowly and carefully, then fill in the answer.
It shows 7:21
